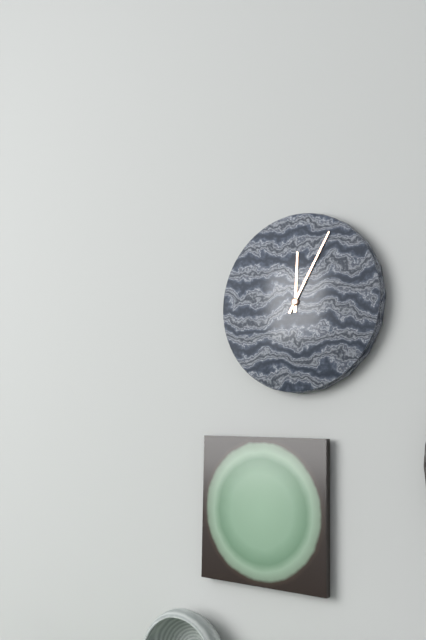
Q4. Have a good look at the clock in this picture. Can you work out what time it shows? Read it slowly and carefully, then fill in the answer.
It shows 12:05
